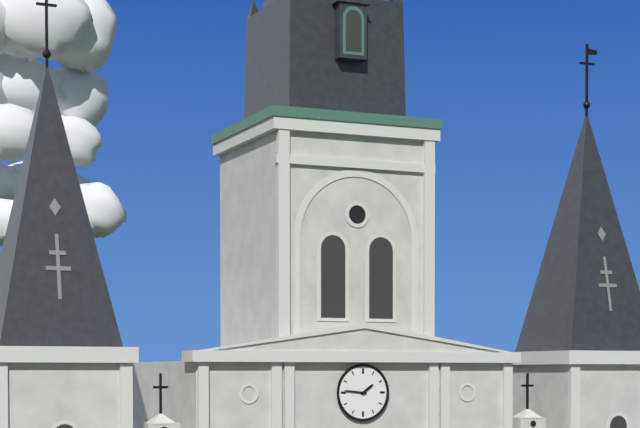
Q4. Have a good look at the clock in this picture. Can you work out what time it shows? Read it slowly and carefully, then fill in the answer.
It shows 1:46
